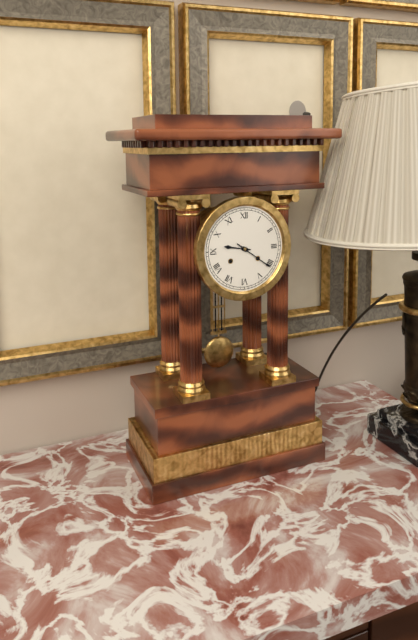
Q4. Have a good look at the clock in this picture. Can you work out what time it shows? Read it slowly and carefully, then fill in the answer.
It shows 9:21
